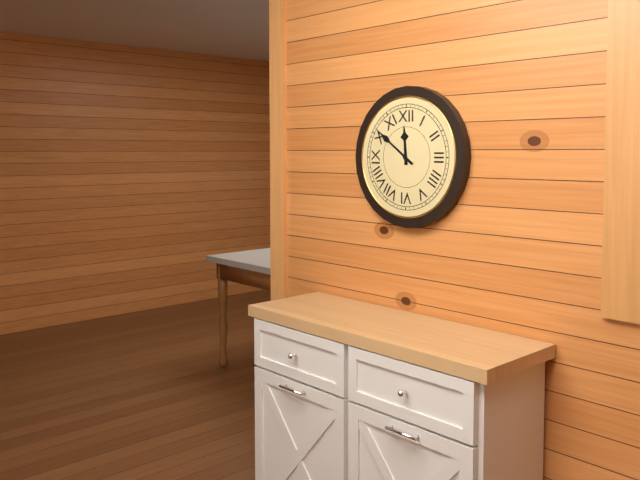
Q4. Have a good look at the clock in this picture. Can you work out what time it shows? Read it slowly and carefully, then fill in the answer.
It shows 11:51
